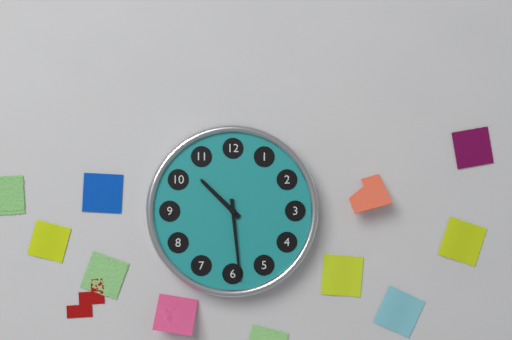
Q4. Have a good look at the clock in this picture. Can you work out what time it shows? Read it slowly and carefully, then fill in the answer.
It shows 10:29
